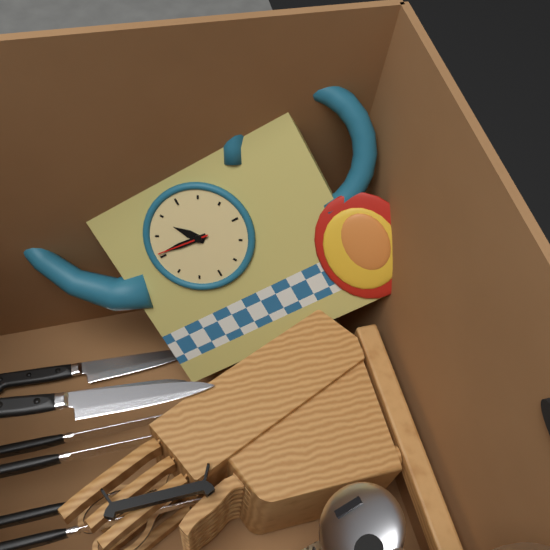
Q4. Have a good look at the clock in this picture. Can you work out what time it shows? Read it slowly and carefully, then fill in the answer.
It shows 10:46:46
